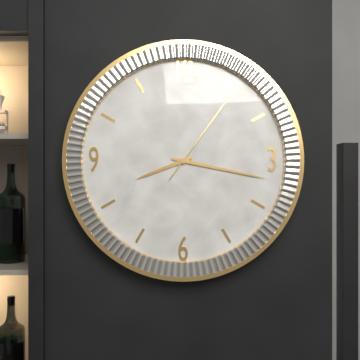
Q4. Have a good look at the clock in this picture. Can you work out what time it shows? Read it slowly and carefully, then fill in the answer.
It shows 8:17:06
